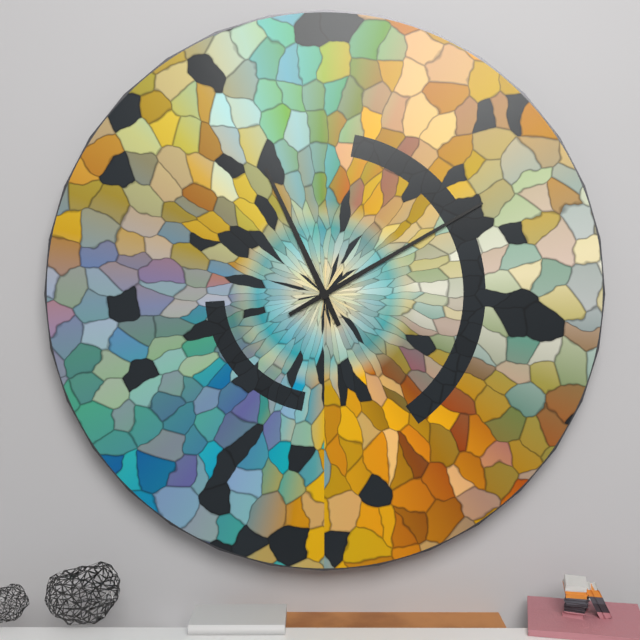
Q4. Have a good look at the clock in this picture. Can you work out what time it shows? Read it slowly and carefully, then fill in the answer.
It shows 11:10
